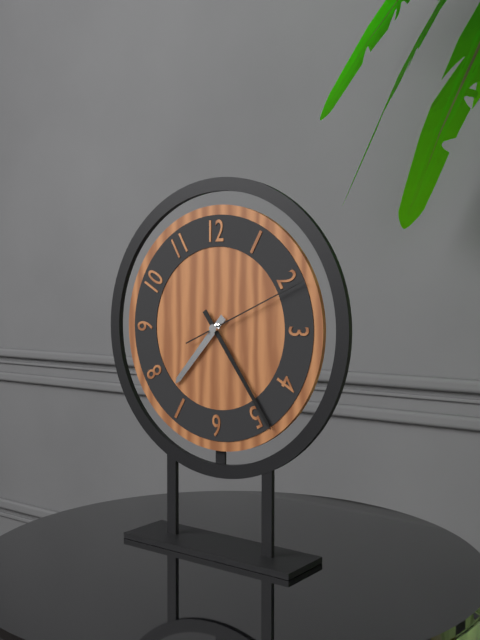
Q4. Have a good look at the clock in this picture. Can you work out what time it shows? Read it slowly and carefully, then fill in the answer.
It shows 7:24:11
